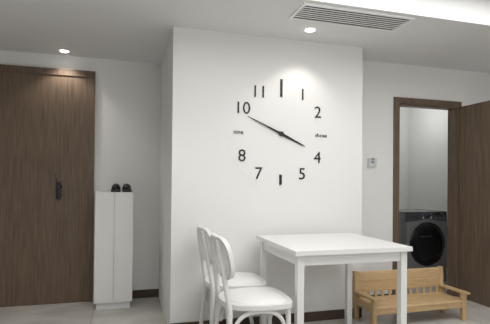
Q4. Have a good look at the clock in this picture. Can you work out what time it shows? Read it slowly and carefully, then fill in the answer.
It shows 3:49
